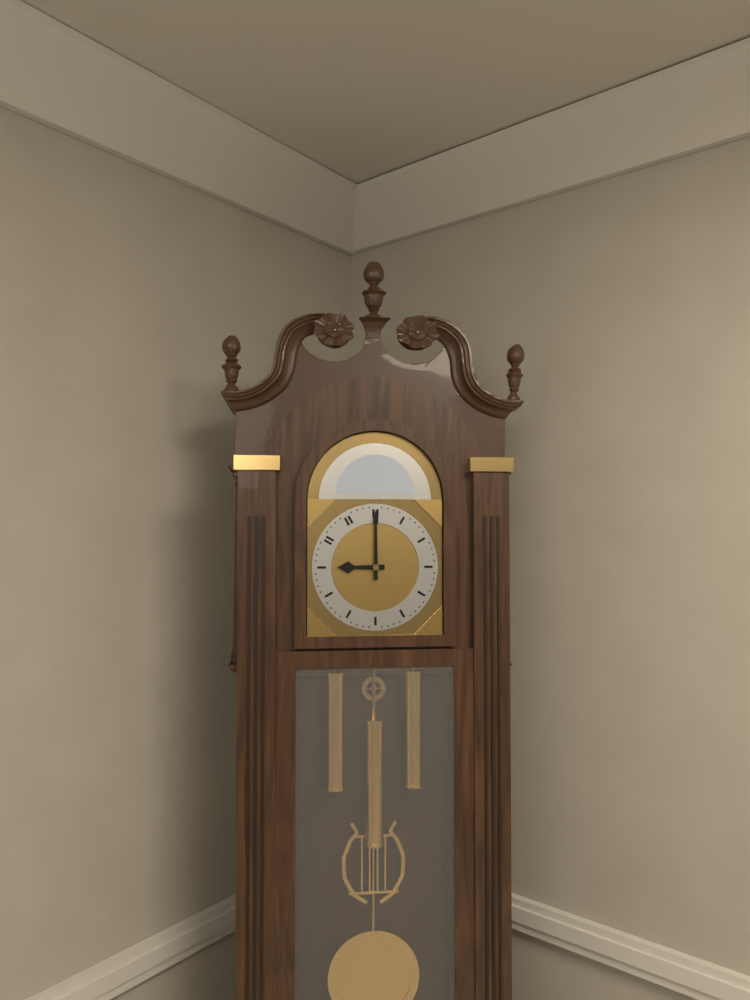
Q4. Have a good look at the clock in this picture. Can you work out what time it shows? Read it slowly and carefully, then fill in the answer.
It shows 9:00
